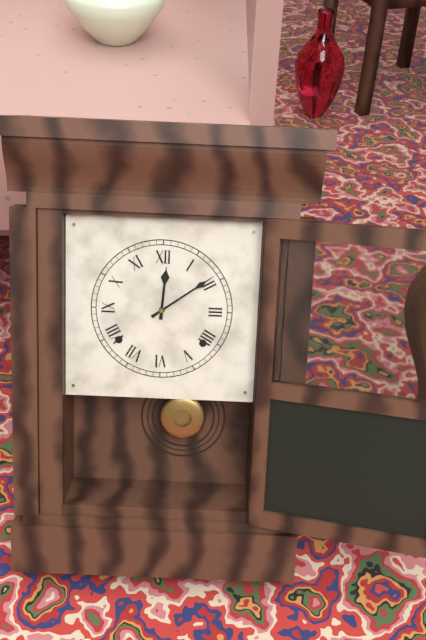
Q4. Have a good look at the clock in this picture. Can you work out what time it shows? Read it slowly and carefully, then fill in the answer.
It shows 12:09
